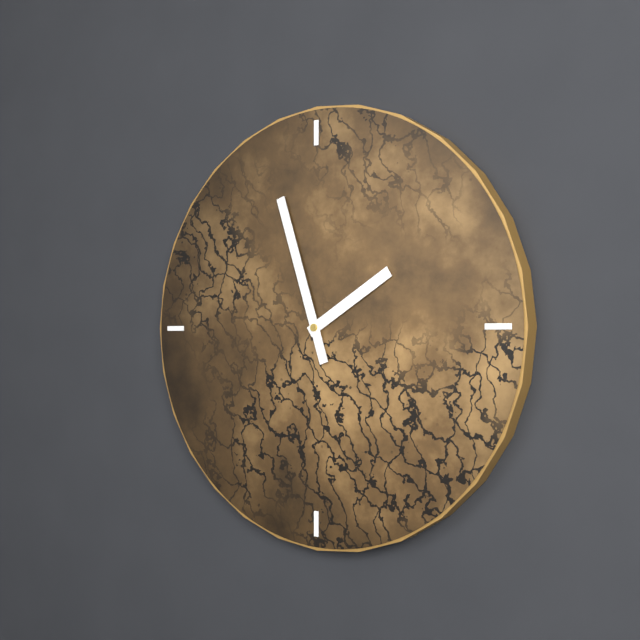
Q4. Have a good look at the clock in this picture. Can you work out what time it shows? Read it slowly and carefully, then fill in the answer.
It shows 1:57
